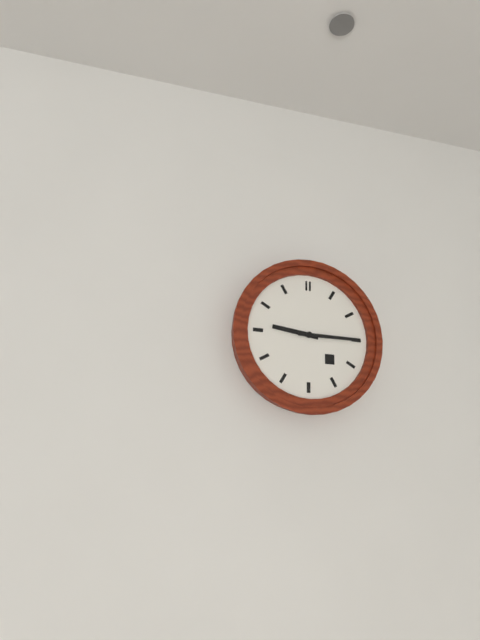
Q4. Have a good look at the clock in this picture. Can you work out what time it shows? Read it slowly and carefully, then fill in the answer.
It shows 9:15
